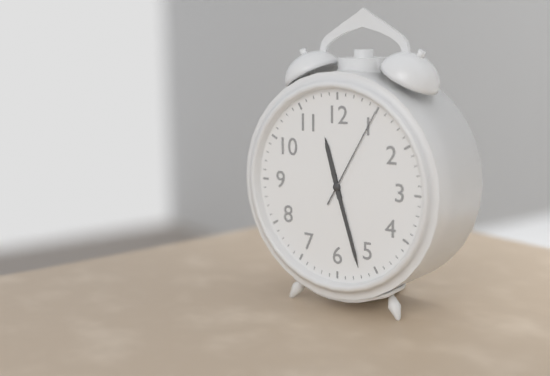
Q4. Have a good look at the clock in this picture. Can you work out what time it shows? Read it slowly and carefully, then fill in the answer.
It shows 11:27:05
